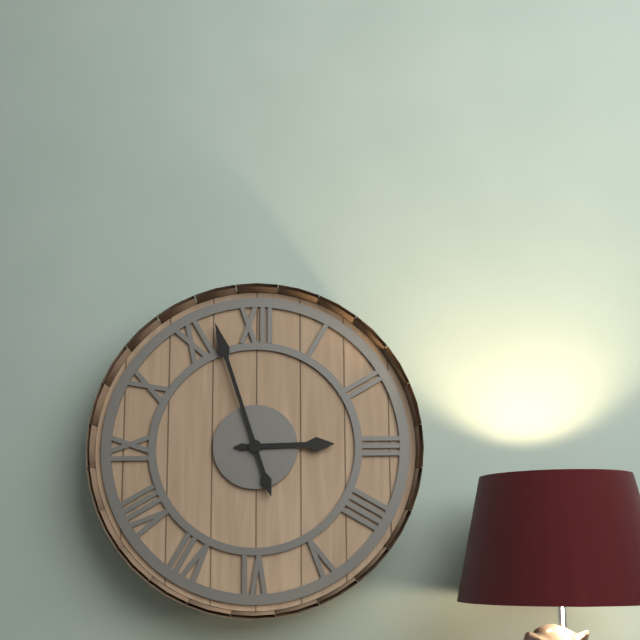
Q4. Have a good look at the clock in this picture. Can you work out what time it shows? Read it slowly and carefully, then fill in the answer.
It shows 2:57
